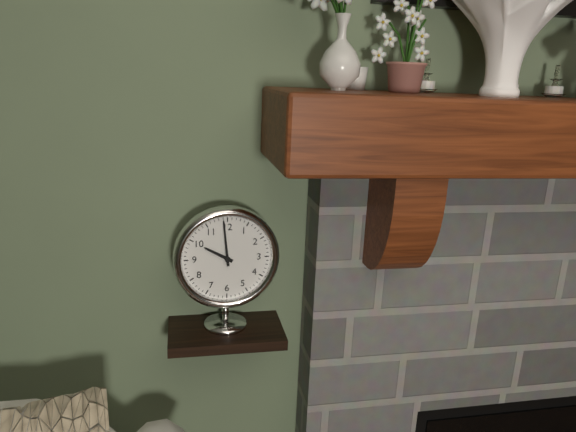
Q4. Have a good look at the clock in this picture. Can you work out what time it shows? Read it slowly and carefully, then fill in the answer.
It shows 9:59
